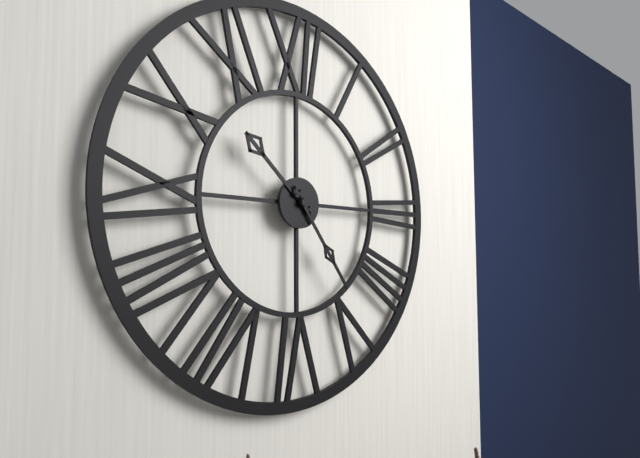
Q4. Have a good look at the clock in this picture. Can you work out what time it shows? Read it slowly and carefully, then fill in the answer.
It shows 10:24
